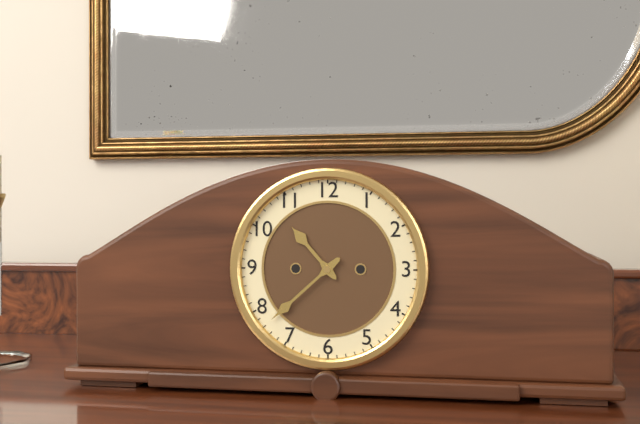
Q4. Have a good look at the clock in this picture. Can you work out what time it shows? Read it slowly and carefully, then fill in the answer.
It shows 10:38
